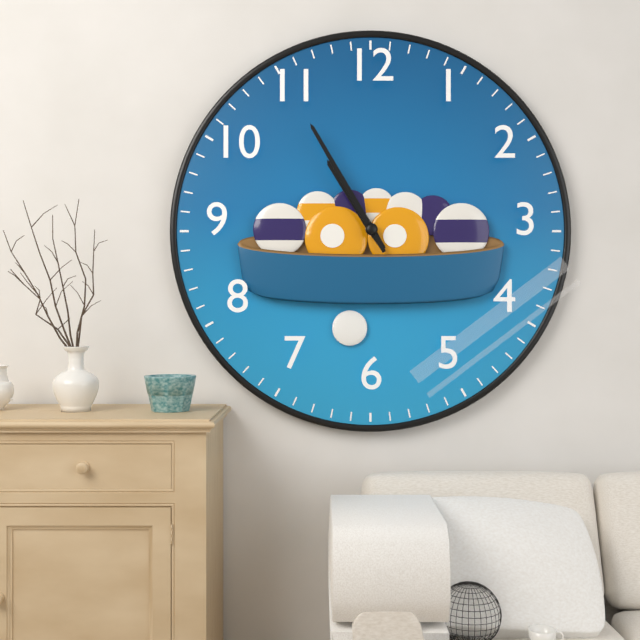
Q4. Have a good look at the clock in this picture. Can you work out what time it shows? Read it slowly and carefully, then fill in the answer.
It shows 10:55
